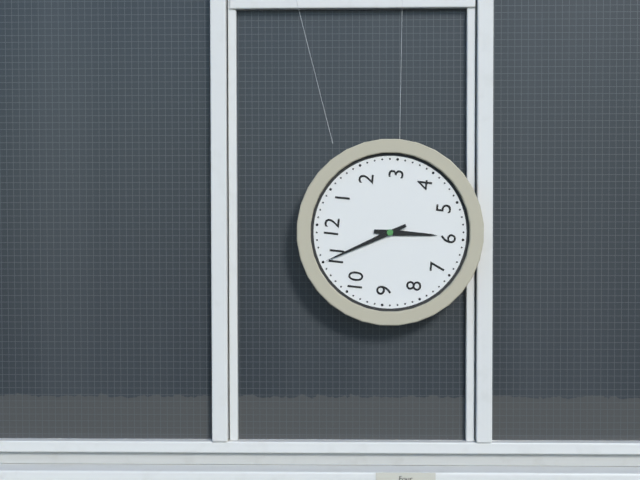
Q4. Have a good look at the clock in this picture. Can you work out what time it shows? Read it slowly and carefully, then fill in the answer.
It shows 5:55
